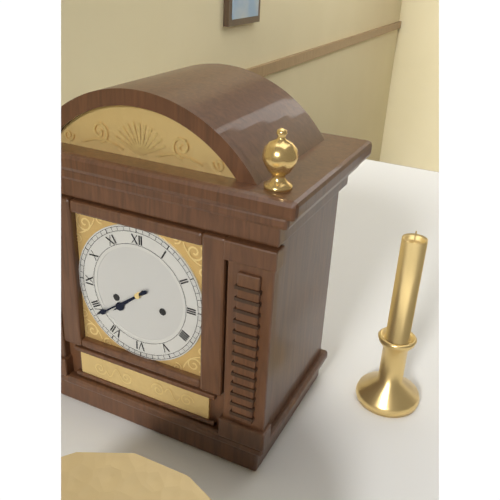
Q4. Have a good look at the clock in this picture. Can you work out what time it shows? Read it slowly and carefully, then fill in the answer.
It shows 7:39
